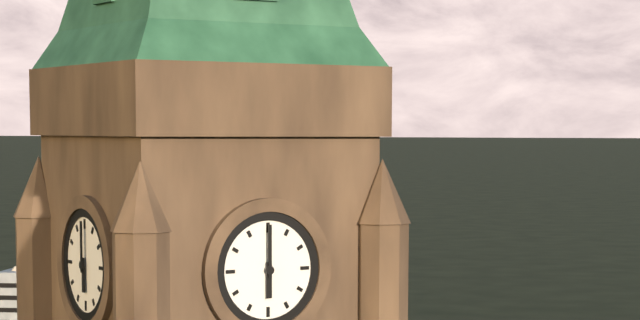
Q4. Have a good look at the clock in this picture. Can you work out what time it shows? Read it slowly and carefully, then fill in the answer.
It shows 6:00
